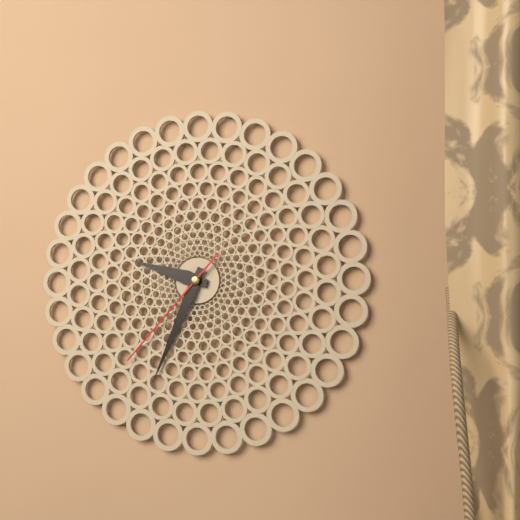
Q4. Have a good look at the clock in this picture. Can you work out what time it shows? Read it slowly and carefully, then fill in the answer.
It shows 9:34:37
